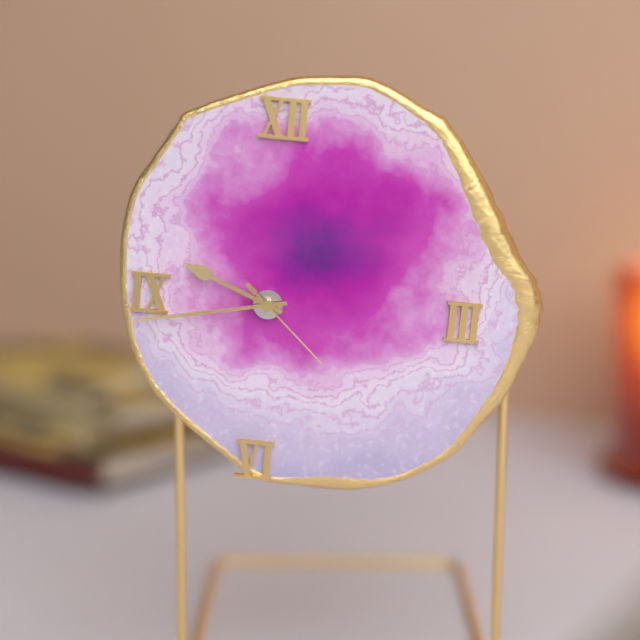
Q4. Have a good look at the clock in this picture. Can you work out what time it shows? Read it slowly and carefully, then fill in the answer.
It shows 9:43:22
